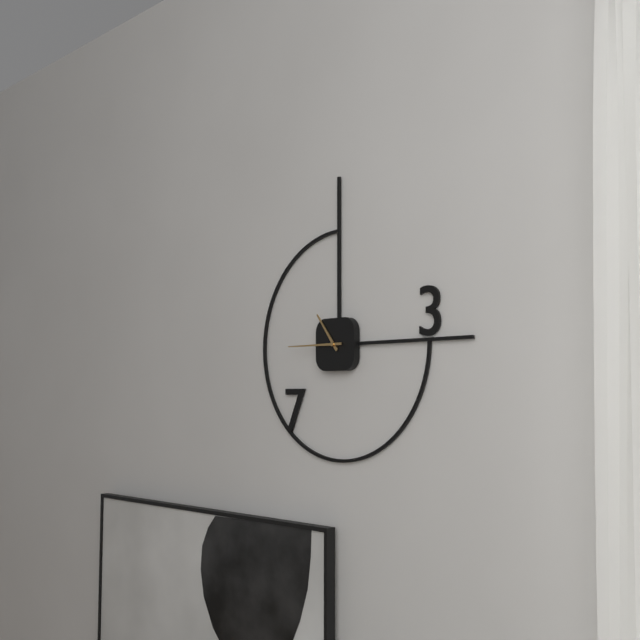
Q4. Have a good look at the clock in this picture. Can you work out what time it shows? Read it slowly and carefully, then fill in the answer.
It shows 10:45
